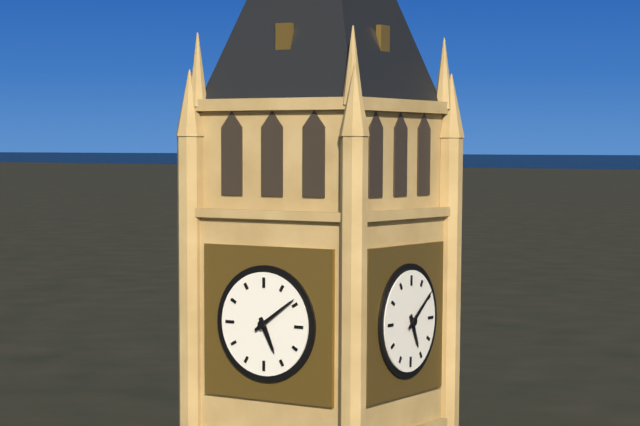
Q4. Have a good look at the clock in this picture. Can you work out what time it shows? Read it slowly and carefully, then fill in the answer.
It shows 5:09
